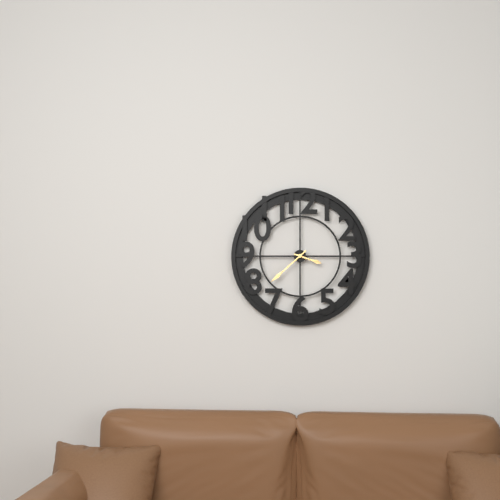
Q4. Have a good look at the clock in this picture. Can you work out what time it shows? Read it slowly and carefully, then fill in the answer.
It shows 3:38
